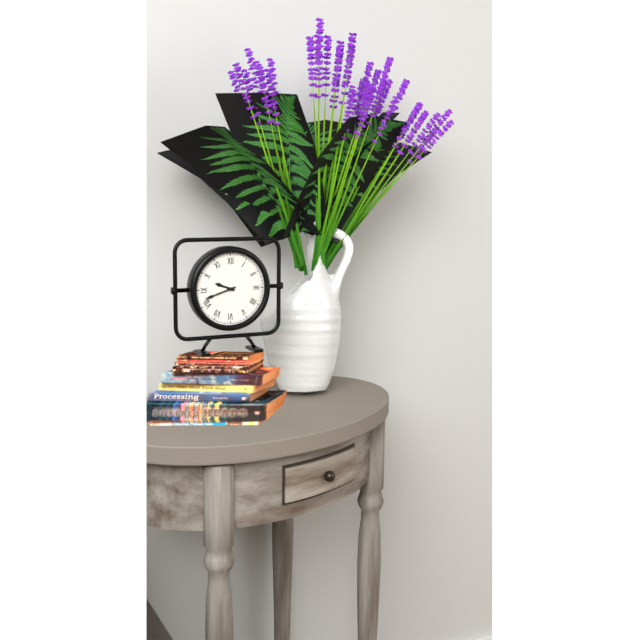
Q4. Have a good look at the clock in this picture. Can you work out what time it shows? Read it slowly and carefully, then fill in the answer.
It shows 9:42
